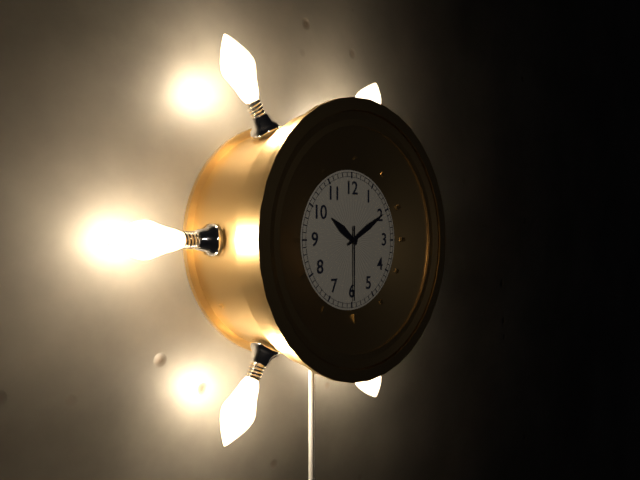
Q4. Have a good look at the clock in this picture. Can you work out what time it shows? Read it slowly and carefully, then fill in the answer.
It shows 10:10:30
